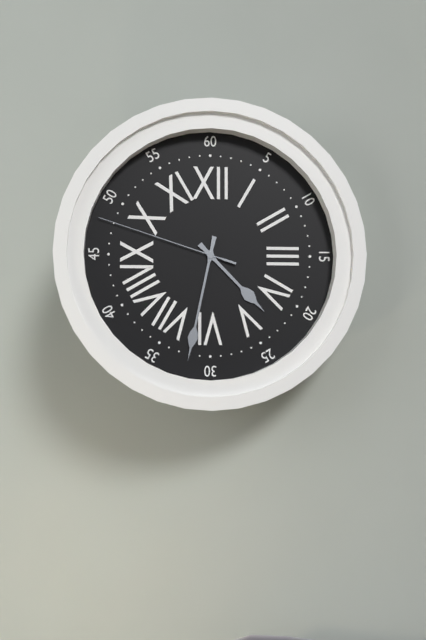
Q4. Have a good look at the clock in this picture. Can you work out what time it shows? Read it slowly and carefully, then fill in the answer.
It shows 4:32:48
